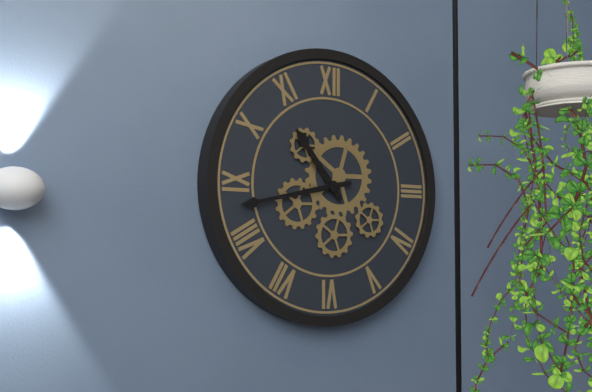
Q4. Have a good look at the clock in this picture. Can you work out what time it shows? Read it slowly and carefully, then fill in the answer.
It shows 10:43
